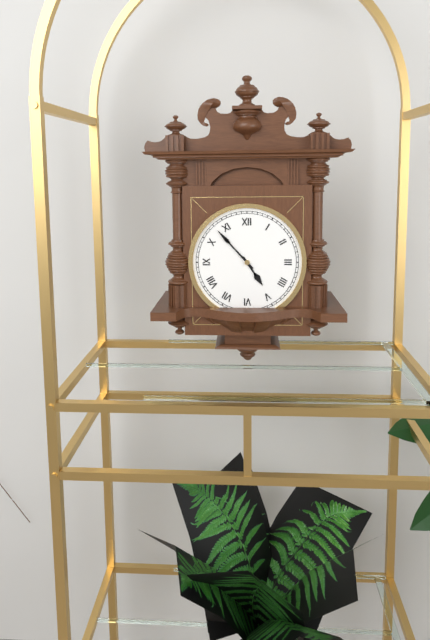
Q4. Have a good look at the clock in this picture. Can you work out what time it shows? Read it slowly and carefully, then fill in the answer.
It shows 4:53
